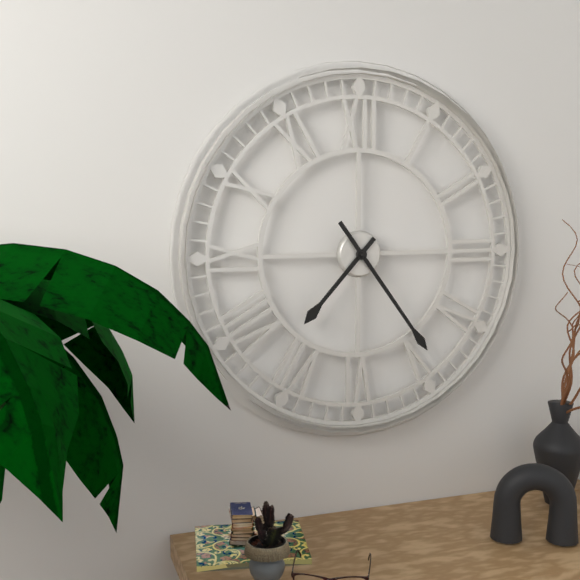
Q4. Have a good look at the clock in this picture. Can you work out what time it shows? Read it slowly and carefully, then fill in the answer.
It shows 7:24
